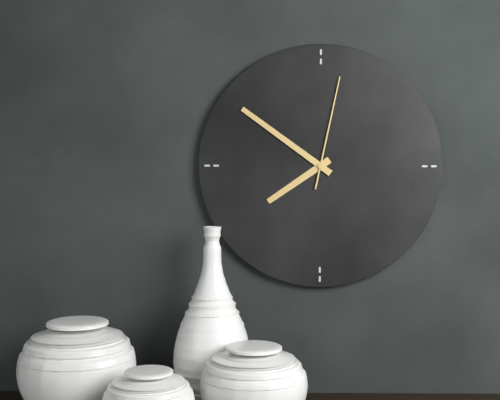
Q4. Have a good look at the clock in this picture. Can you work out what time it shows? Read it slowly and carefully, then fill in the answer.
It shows 7:51:02
